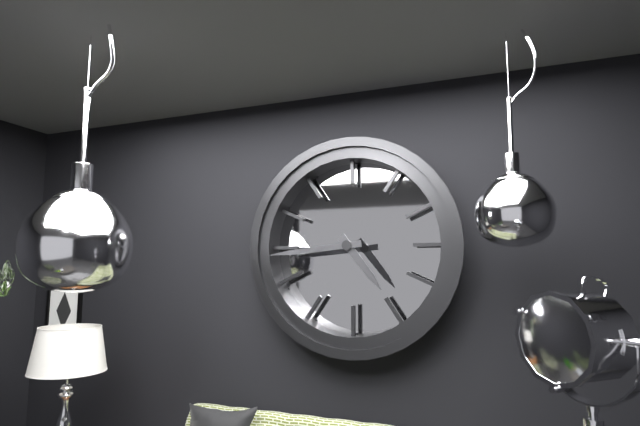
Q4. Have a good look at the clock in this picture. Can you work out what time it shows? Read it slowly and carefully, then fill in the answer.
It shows 4:44
